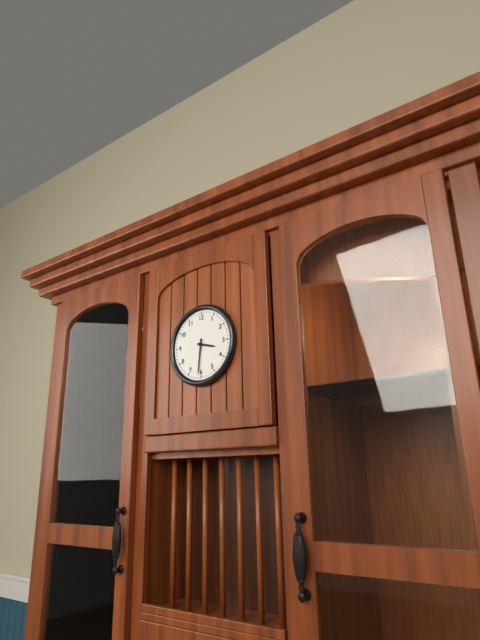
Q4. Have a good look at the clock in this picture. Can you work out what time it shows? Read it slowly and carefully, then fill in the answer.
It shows 3:31
